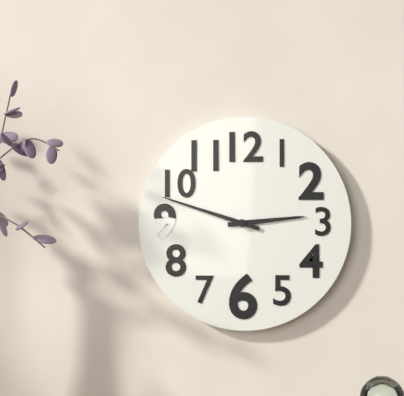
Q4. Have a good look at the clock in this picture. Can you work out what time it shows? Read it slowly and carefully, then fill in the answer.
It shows 2:48
